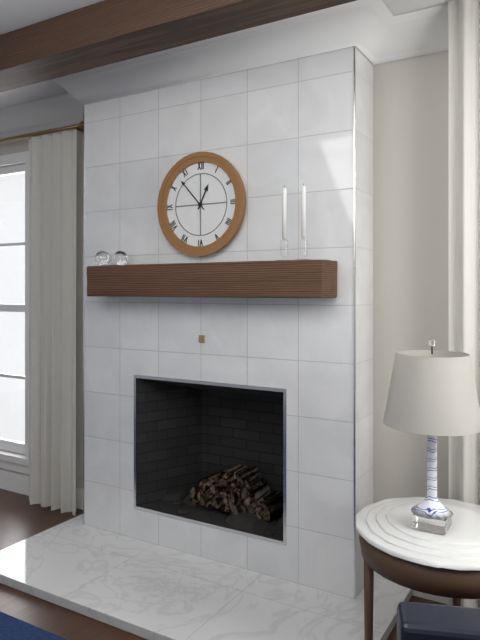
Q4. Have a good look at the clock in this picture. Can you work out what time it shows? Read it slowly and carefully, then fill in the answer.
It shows 12:53
